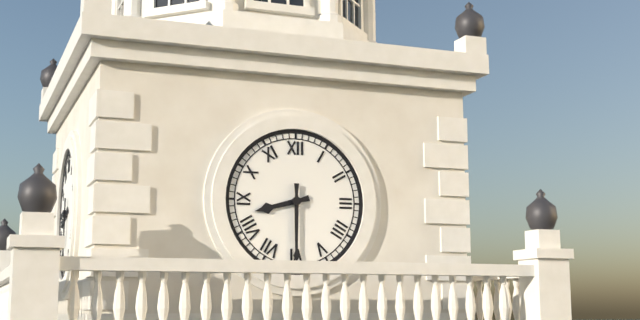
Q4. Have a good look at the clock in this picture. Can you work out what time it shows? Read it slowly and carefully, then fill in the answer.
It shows 8:30
